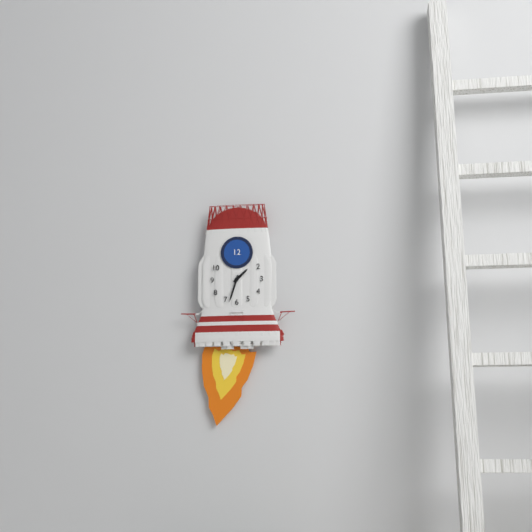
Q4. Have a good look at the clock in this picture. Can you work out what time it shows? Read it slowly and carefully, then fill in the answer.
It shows 1:33
